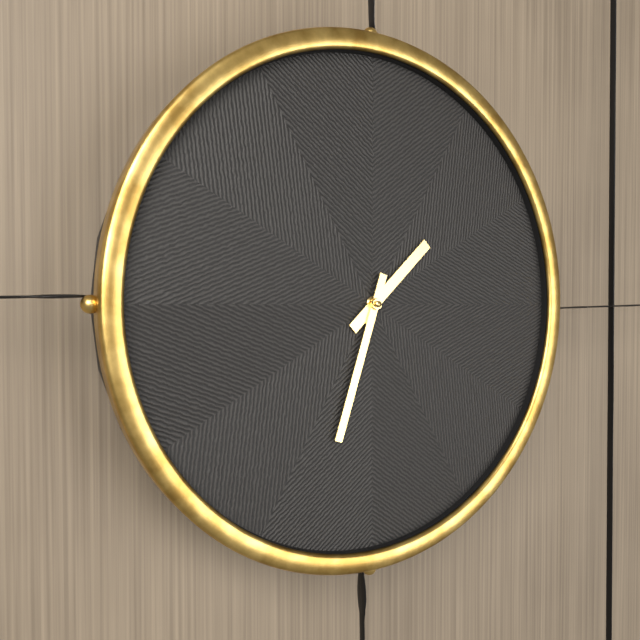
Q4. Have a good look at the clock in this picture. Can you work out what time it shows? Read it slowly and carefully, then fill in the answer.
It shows 1:33
